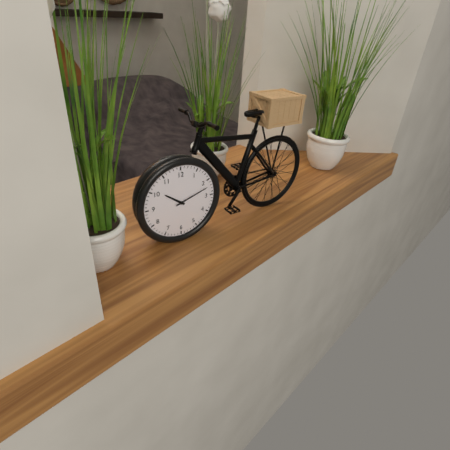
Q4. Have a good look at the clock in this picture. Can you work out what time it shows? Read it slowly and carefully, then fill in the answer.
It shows 10:12
